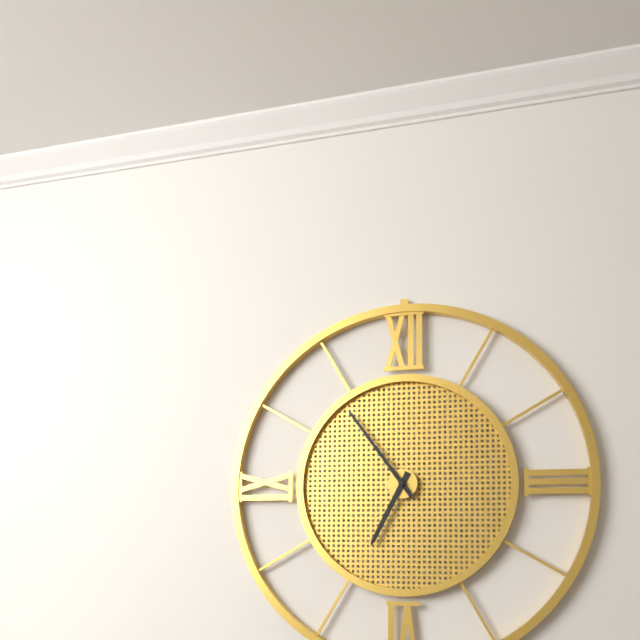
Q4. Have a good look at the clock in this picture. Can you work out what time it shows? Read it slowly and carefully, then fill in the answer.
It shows 6:54
